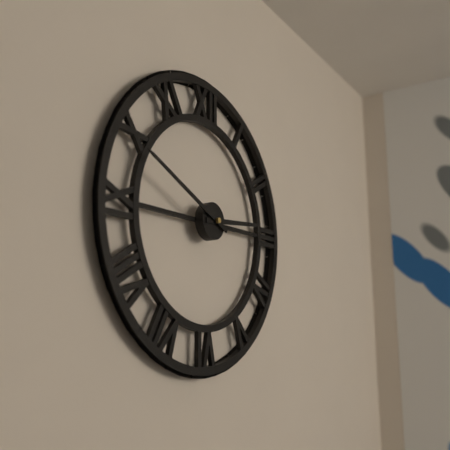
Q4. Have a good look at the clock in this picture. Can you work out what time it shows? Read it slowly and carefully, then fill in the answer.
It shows 2:49
